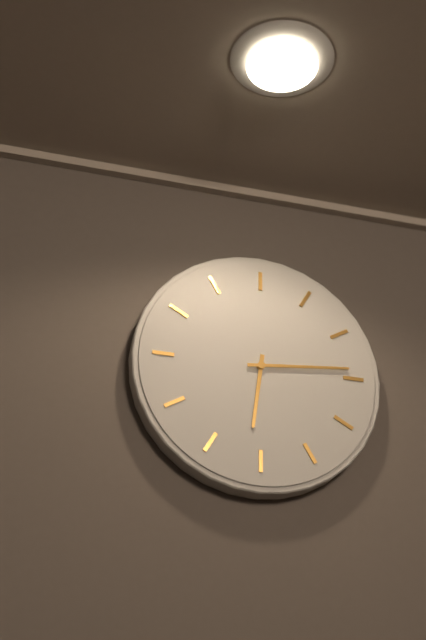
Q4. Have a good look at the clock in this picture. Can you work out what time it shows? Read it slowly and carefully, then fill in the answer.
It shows 6:14
